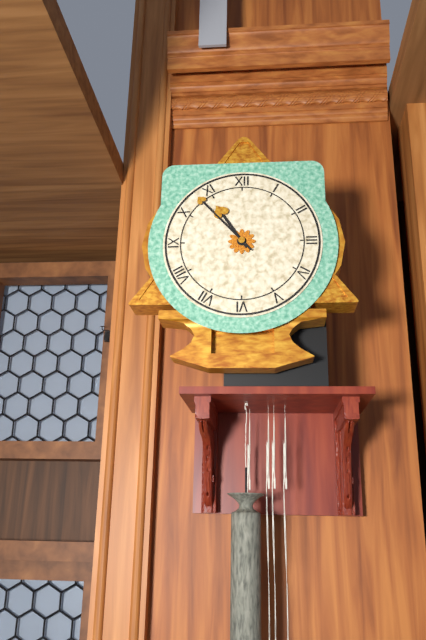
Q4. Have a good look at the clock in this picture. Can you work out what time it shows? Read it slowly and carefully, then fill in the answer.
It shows 10:53
